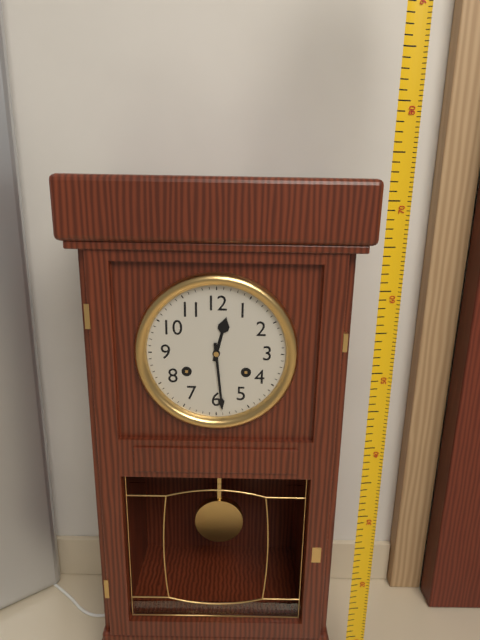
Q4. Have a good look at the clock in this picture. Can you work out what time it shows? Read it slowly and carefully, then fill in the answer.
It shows 12:29
